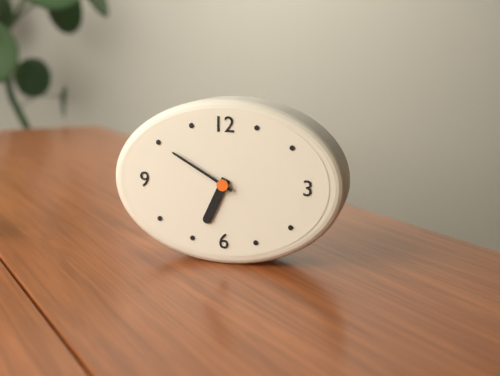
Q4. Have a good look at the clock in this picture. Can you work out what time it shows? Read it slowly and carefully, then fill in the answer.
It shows 6:50
